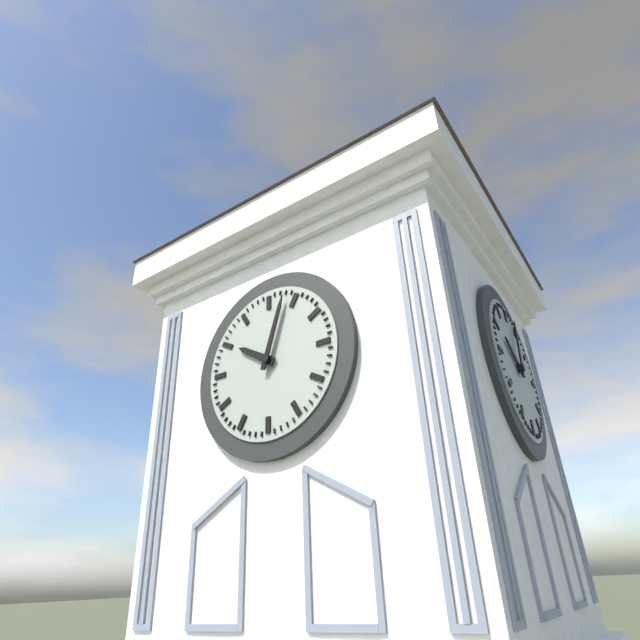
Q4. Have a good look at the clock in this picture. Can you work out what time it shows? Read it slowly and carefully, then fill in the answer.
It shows 10:03
